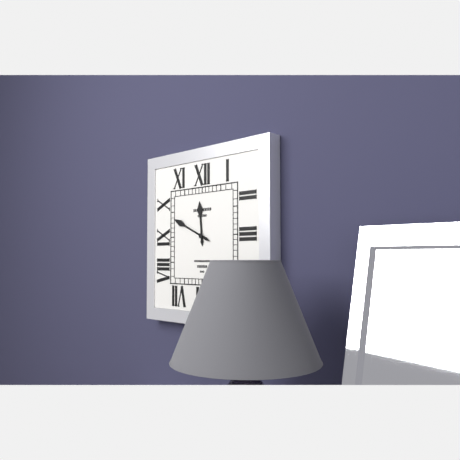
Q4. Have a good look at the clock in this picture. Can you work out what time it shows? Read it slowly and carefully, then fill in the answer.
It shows 11:49
